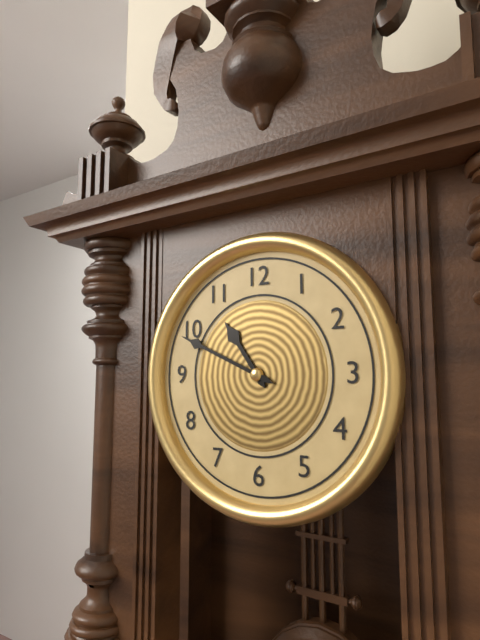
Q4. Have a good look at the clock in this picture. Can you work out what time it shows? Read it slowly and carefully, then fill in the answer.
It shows 10:49
